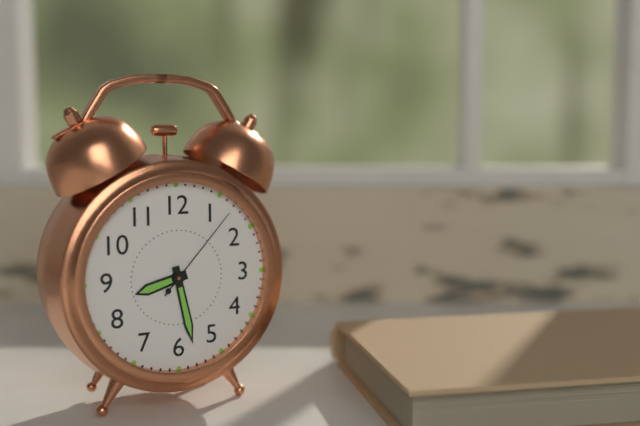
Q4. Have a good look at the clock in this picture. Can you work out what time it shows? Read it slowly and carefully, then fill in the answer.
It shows 8:28:07
